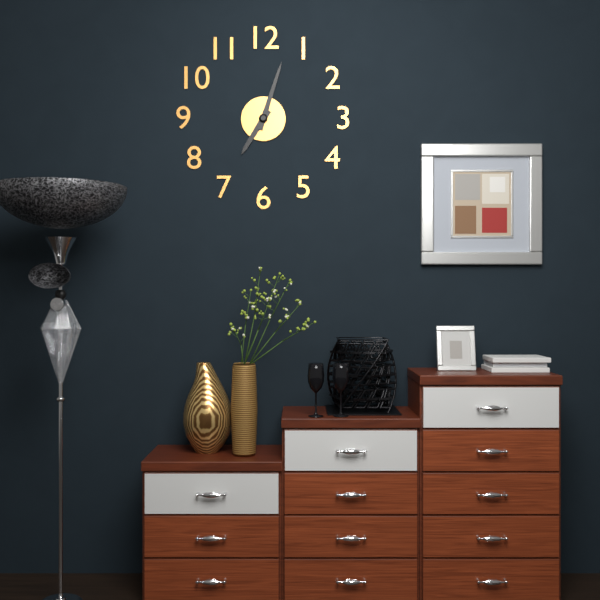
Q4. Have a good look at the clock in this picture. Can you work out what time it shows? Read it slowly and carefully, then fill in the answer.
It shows 7:03
